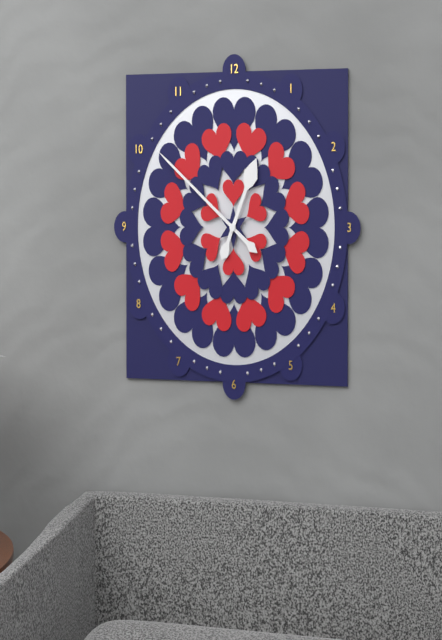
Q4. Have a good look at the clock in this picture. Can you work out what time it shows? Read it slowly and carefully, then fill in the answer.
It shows 12:51
